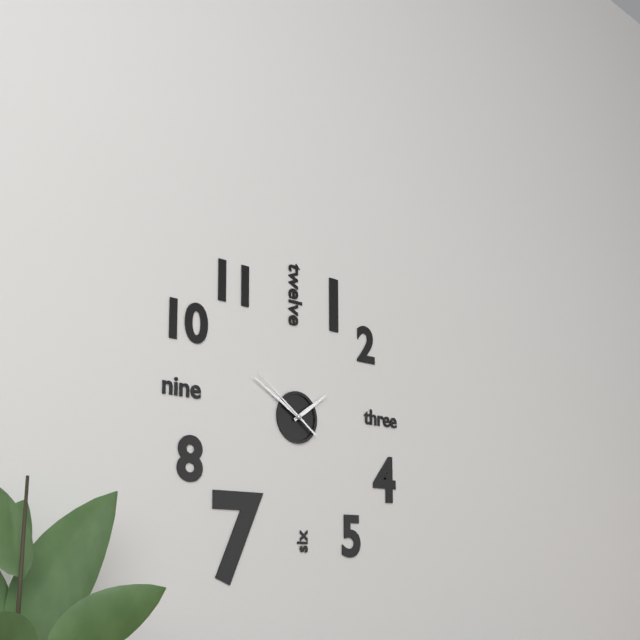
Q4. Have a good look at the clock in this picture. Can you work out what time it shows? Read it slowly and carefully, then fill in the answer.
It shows 1:50:51
